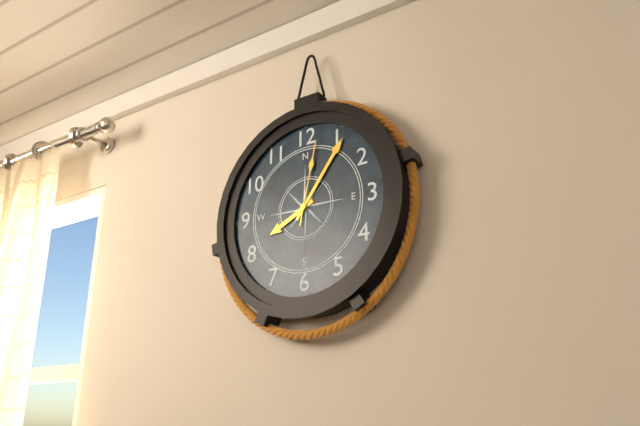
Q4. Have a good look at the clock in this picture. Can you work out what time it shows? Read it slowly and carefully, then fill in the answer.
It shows 8:06:02
